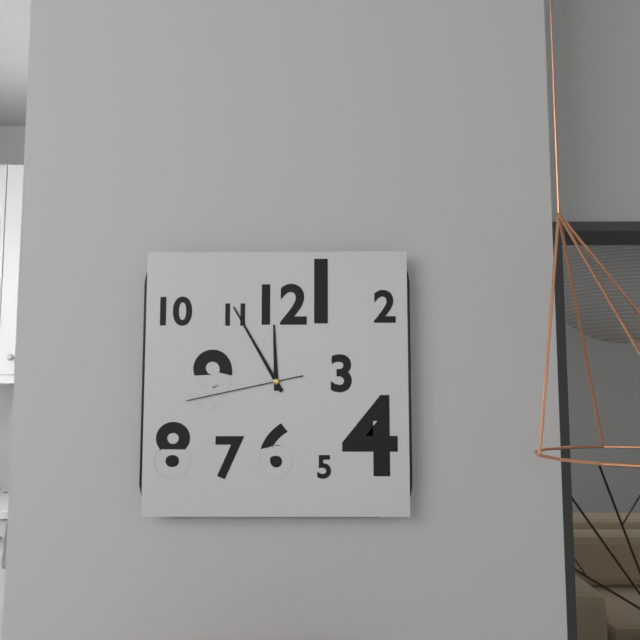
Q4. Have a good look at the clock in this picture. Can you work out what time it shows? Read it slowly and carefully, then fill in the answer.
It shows 11:55:43
